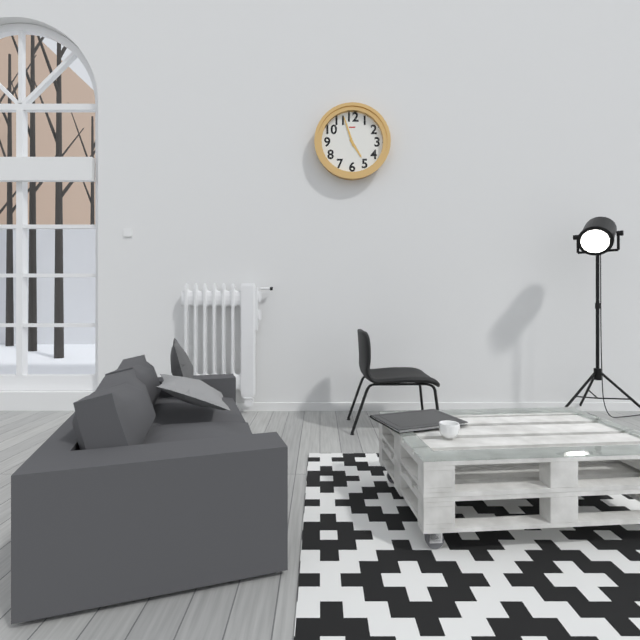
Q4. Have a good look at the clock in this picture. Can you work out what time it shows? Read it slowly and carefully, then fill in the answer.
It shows 4:57
